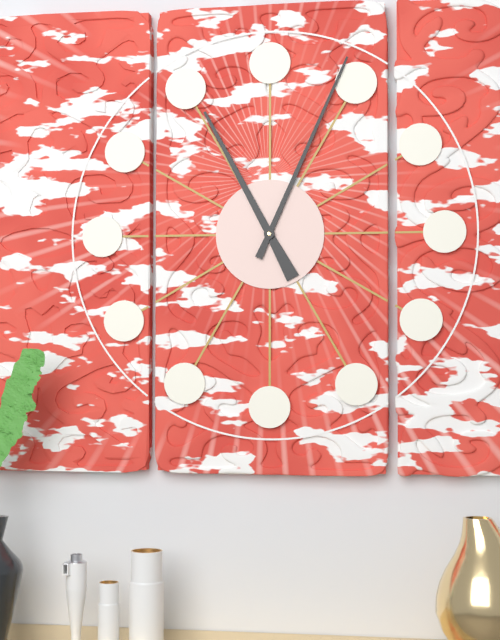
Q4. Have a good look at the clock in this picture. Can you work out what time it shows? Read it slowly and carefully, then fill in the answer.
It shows 11:04
